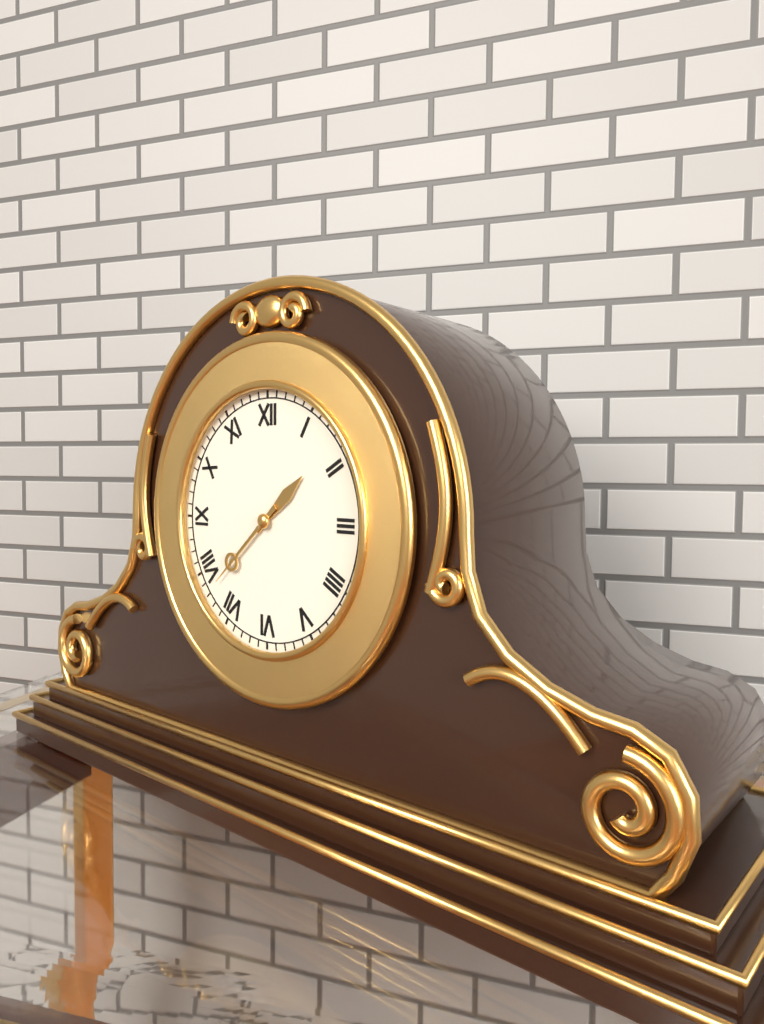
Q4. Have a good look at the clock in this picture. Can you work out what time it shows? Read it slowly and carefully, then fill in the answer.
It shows 1:38
